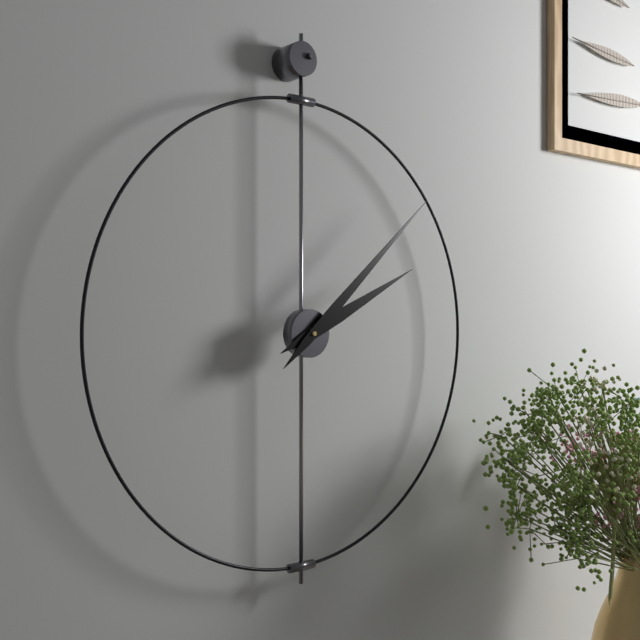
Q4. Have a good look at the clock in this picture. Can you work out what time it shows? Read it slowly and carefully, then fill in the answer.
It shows 2:08
